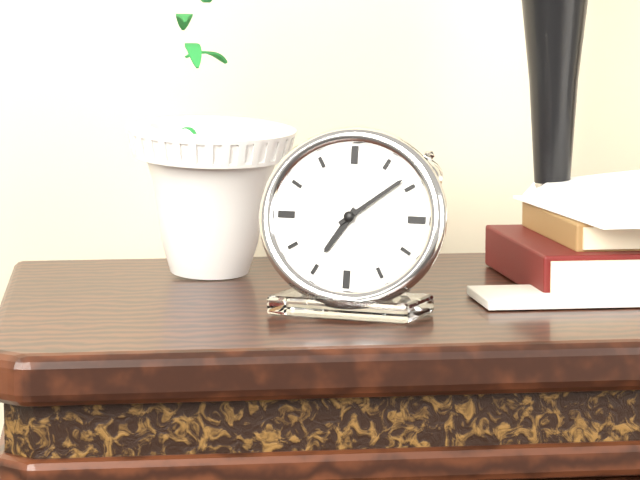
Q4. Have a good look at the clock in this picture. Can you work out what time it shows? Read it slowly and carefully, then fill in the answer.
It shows 7:09
